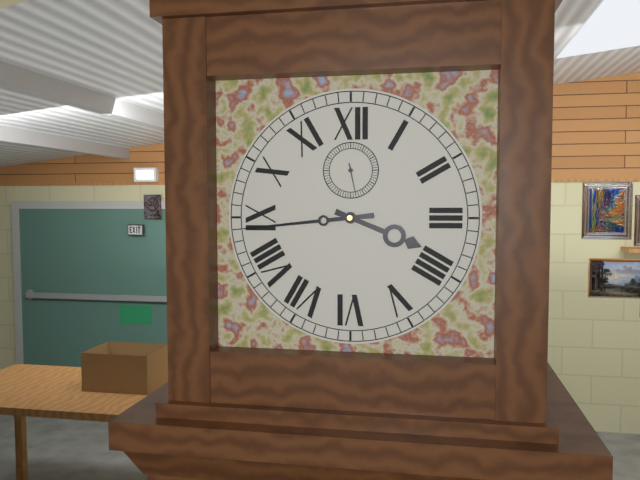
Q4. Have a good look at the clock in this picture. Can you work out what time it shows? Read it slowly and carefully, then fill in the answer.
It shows 3:44
